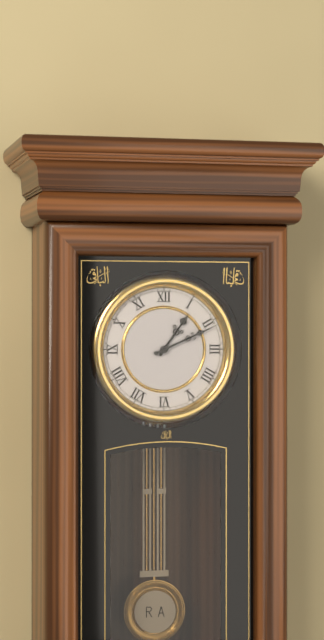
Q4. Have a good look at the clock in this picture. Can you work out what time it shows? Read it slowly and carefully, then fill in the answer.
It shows 1:11
